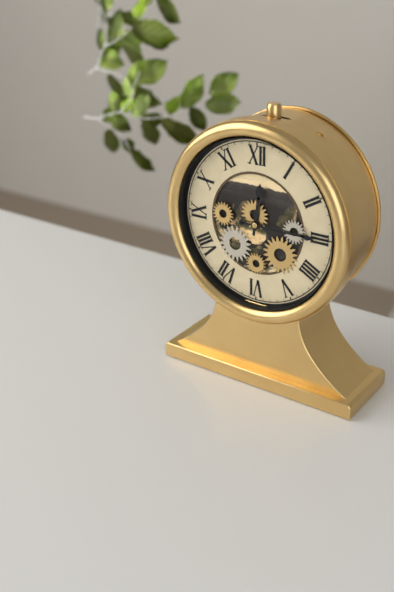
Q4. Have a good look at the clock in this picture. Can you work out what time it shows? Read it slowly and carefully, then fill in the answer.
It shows 12:15
